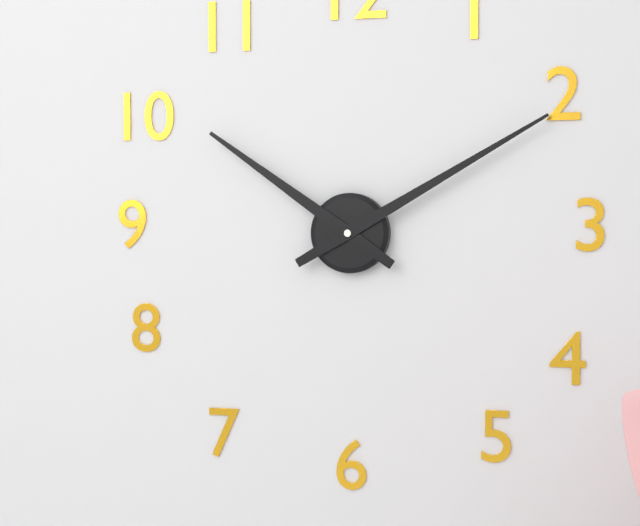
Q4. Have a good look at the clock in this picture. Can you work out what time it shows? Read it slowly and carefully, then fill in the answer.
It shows 10:10
